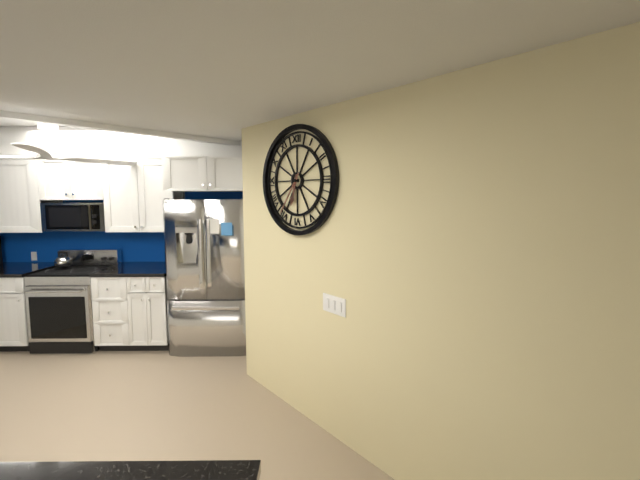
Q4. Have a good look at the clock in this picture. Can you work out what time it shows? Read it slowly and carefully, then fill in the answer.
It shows 6:36
